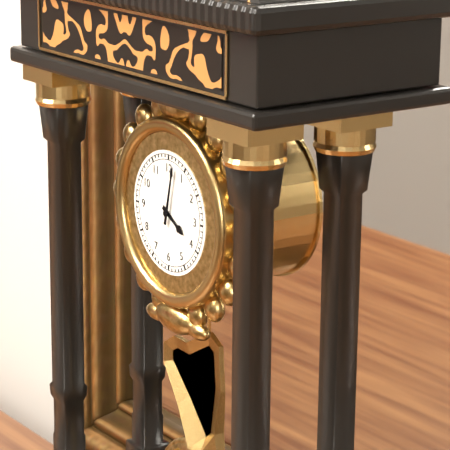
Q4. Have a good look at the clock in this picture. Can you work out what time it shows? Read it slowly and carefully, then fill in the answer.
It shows 4:02
